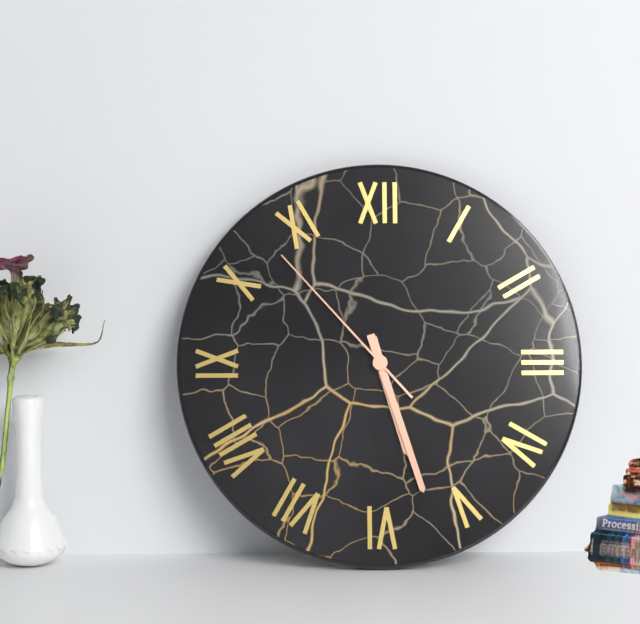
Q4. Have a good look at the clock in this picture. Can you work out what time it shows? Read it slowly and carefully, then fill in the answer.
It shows 5:27:53
